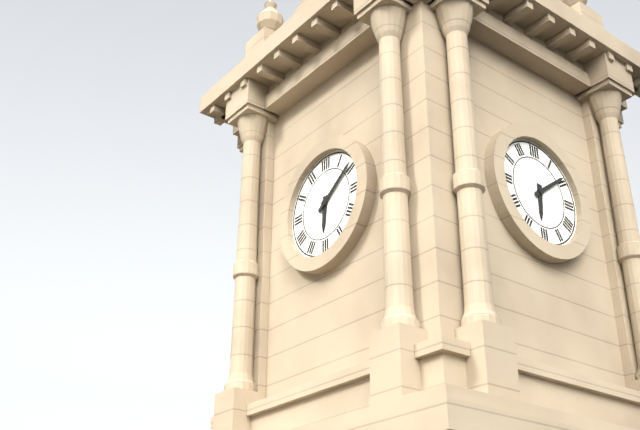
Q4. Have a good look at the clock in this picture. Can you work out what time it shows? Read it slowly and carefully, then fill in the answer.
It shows 6:09
